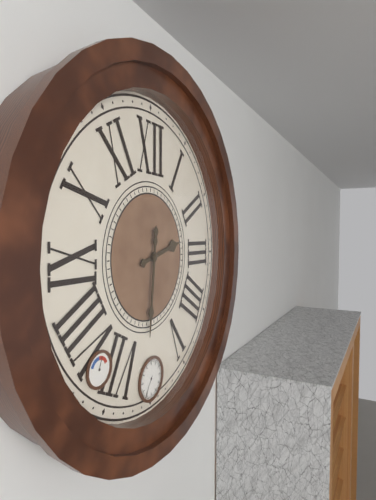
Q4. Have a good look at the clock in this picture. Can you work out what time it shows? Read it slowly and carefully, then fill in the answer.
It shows 2:31
